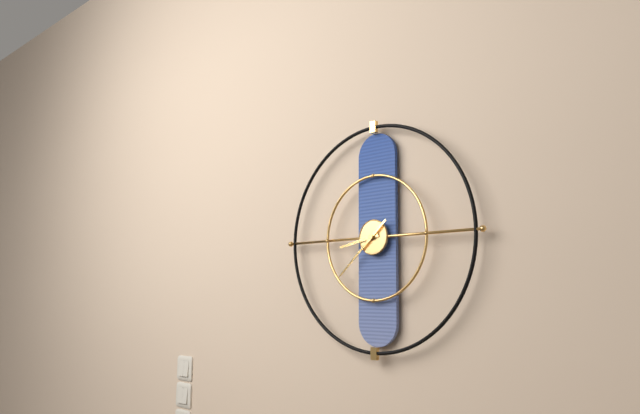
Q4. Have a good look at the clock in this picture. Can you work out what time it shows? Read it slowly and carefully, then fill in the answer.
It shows 8:38
